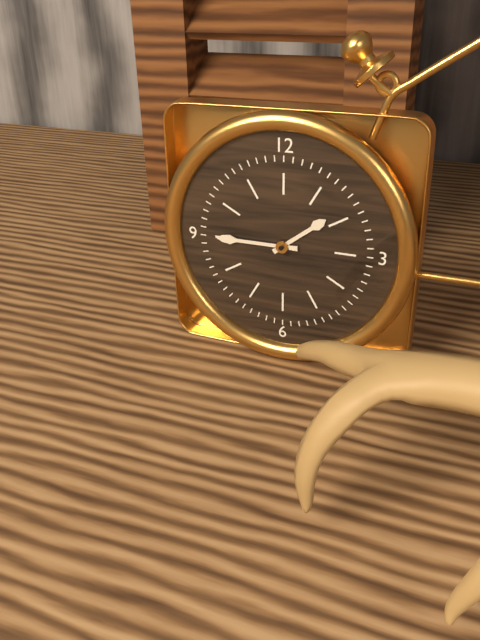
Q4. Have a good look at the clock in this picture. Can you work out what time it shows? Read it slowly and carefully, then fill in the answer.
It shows 1:45
